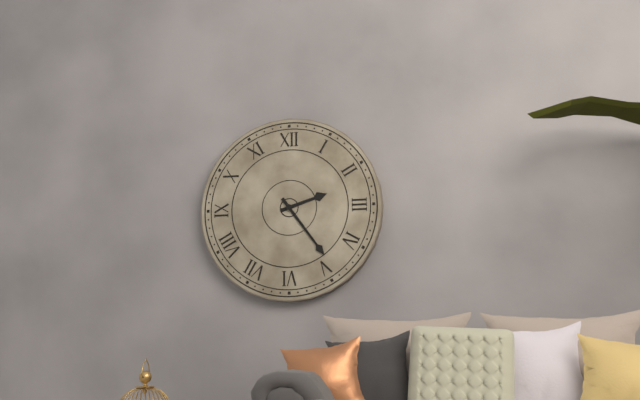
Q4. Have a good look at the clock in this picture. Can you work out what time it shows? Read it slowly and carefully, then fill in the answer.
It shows 2:24
